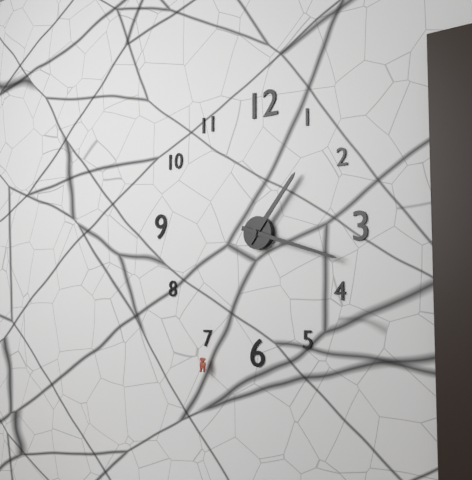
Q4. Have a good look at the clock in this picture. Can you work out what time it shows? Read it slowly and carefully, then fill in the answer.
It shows 1:18
